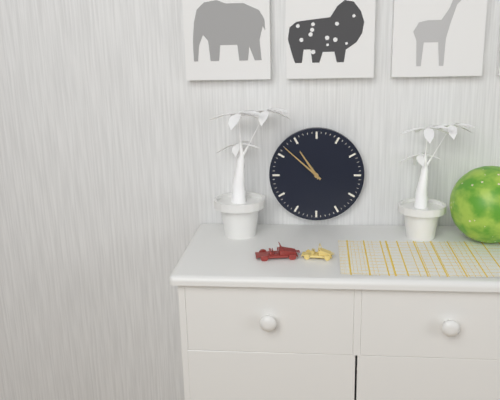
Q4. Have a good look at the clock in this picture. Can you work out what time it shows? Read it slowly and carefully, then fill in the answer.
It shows 10:52
